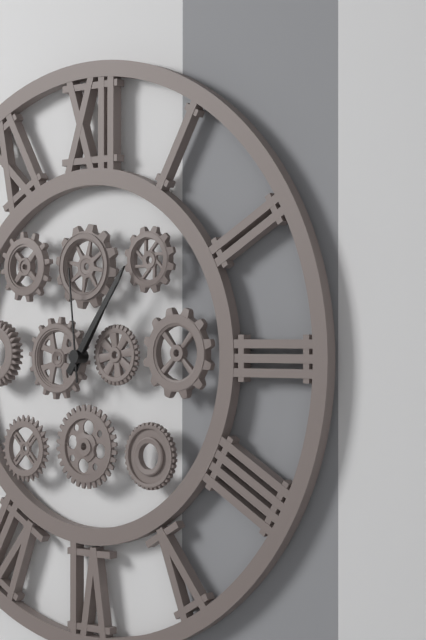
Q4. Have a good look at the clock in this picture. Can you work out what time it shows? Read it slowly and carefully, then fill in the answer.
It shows 1:06:59
